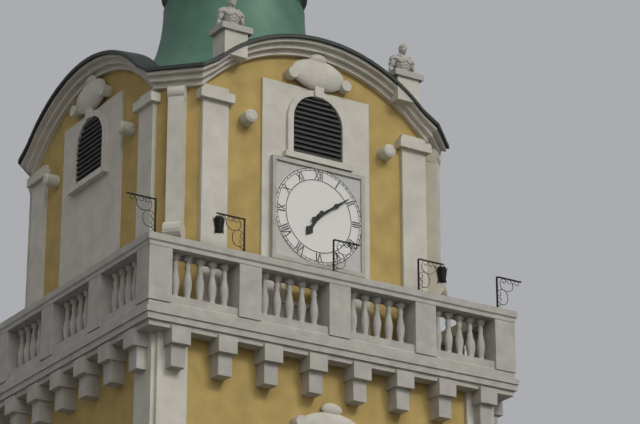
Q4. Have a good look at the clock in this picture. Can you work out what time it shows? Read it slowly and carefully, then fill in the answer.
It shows 7:09
